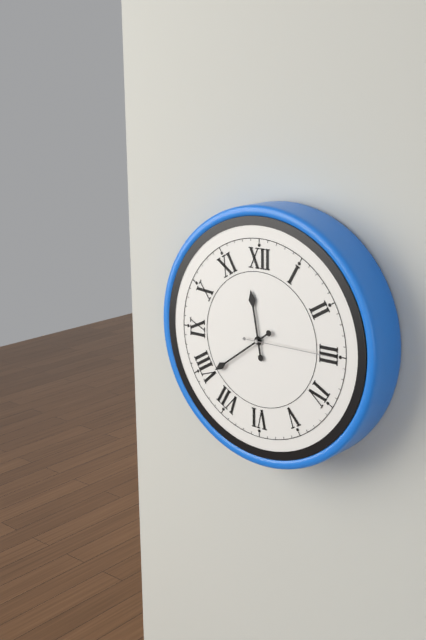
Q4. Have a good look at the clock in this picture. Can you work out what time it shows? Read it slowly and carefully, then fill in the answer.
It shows 11:39:15
